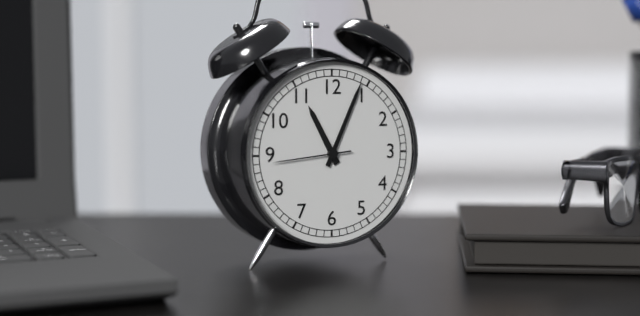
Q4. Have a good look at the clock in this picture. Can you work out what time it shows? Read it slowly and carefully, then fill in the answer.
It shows 11:04:44
